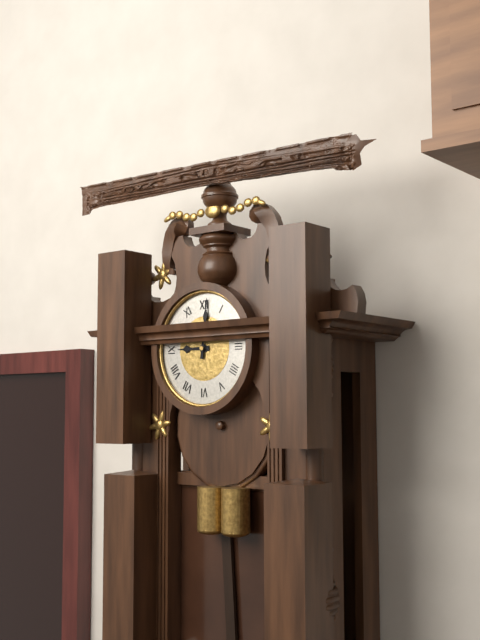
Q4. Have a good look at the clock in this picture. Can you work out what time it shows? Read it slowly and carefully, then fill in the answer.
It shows 9:01
